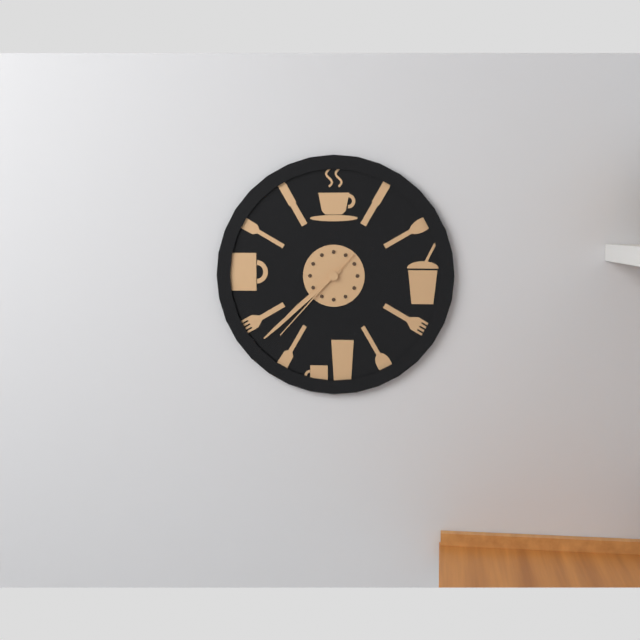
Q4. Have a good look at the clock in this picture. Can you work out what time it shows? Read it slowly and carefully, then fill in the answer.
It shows 7:38:37
